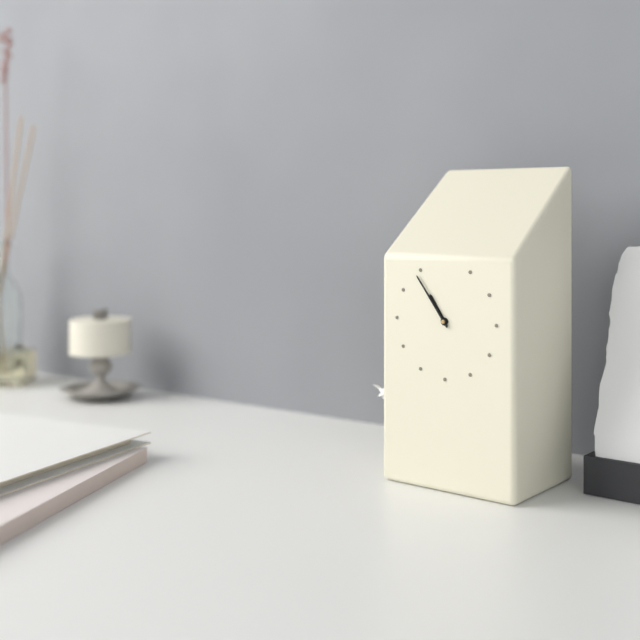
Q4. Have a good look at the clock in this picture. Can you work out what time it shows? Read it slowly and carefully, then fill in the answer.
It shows 10:54
